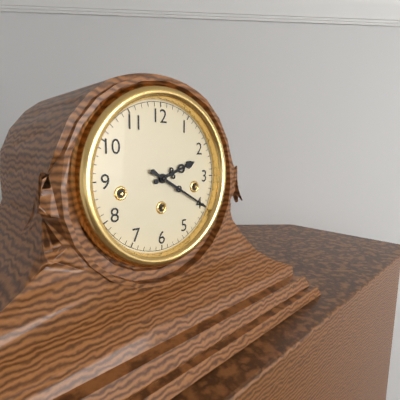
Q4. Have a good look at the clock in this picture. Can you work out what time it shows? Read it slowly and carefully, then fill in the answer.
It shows 2:20
